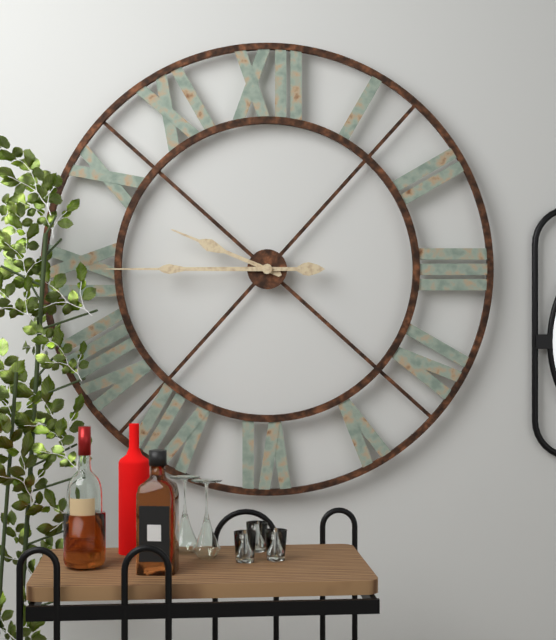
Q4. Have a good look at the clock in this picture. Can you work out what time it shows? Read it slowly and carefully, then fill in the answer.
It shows 9:45
